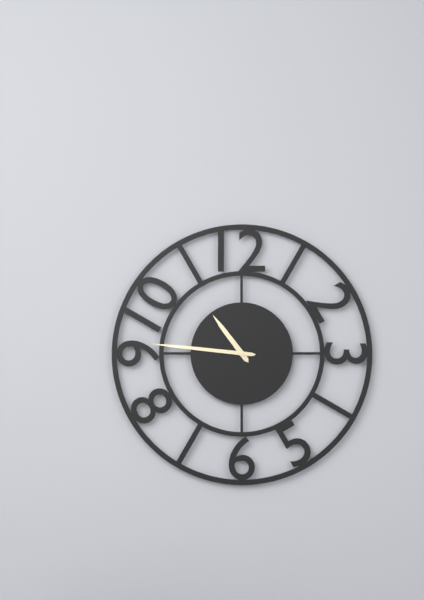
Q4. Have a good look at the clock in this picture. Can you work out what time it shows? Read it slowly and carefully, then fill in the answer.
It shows 10:46
